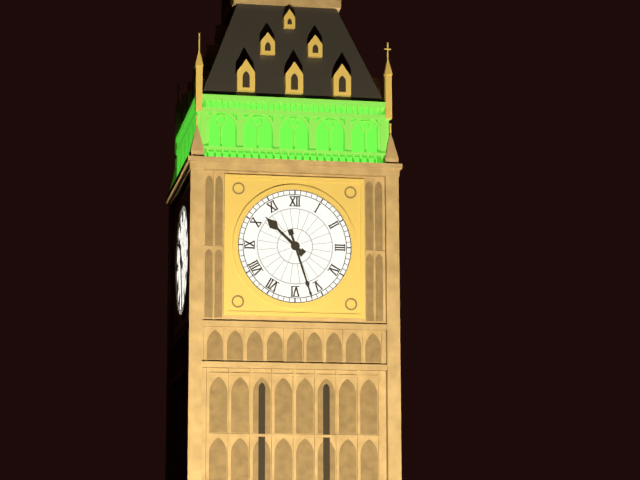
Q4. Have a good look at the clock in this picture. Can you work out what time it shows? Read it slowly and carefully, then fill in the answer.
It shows 10:27
